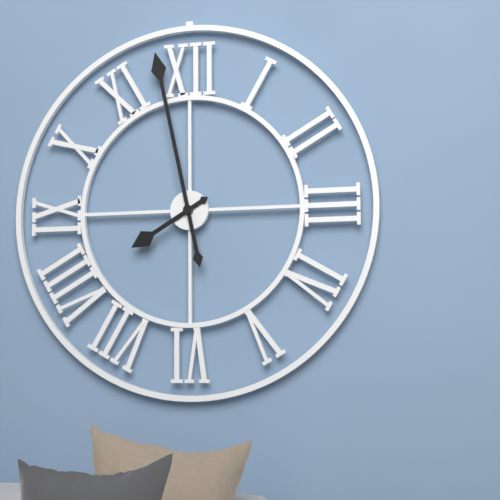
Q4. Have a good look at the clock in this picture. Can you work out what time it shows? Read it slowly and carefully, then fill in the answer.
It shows 7:58
